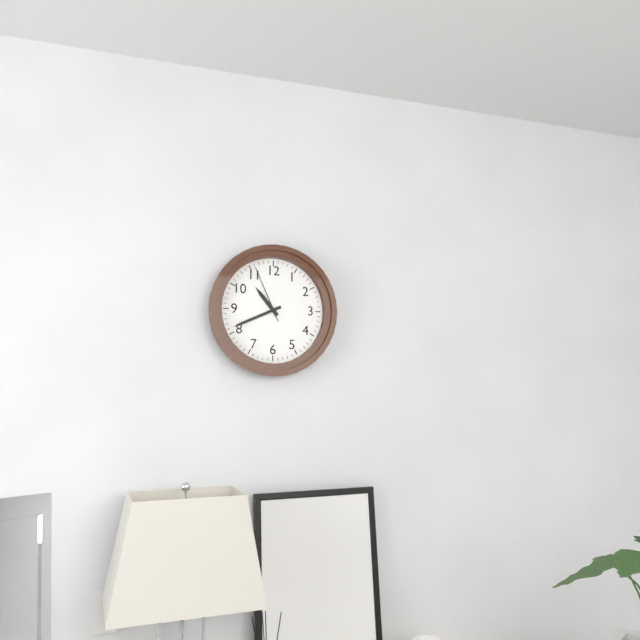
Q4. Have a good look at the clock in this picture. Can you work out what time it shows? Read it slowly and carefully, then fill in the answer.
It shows 10:41:56
